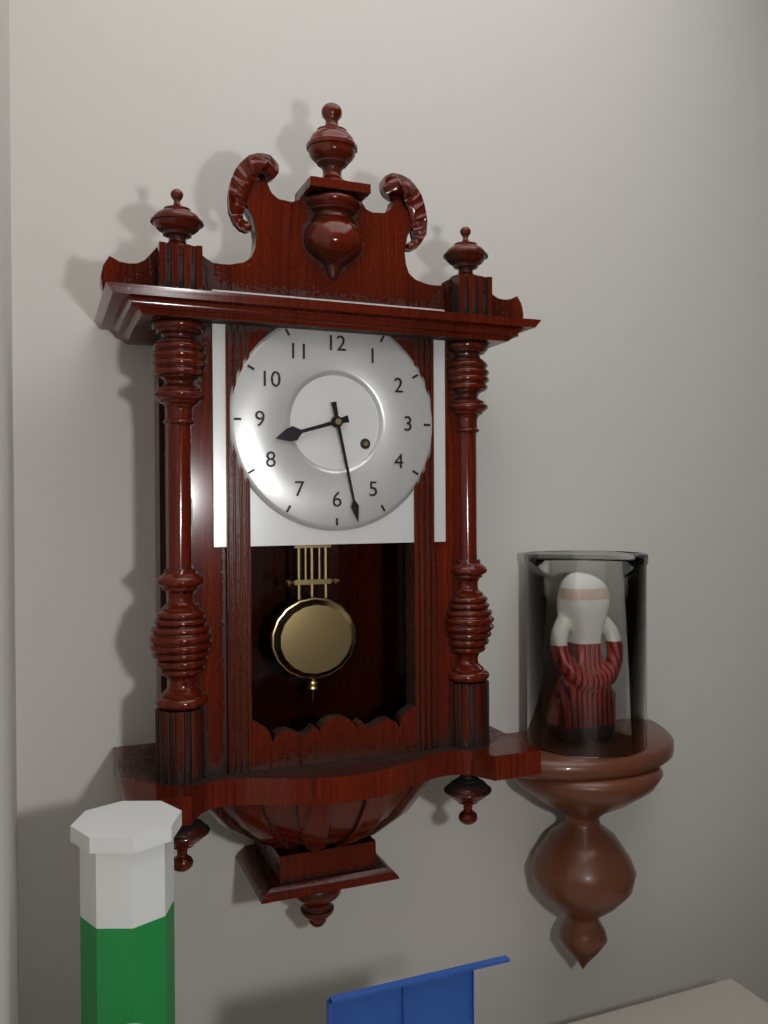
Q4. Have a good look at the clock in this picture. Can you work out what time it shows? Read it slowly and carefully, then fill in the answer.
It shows 8:28
